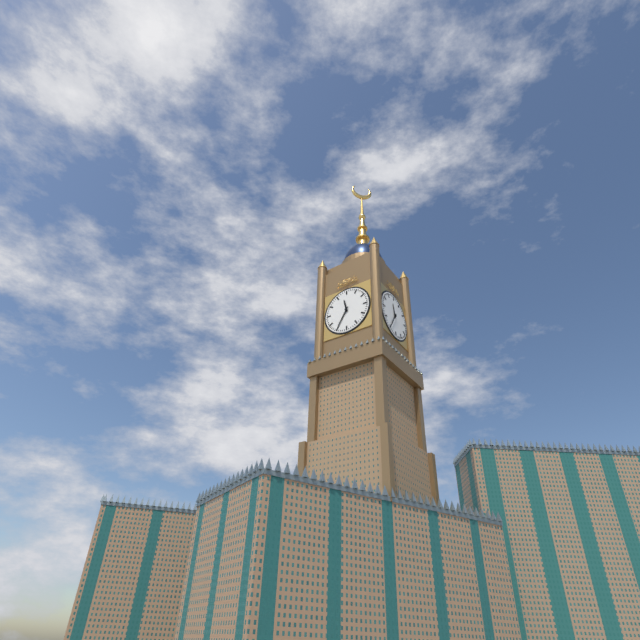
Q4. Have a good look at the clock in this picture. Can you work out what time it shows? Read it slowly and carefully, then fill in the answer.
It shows 11:35
